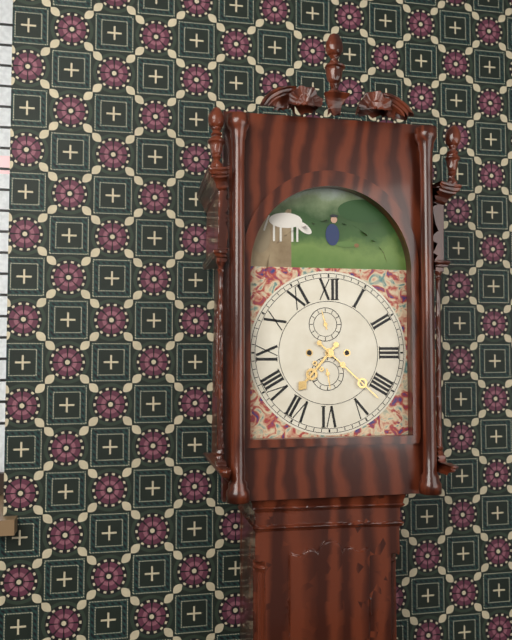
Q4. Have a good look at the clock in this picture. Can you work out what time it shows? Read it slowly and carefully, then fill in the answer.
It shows 7:22
